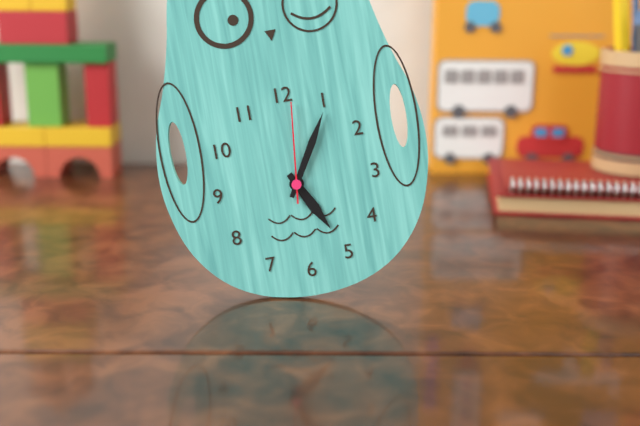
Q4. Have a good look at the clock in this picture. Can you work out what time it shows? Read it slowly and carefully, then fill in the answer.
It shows 5:05:01
